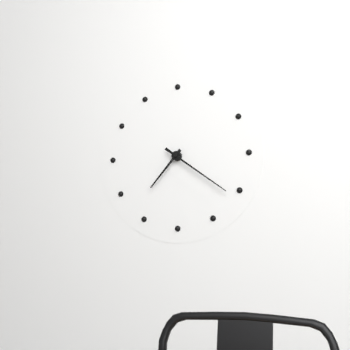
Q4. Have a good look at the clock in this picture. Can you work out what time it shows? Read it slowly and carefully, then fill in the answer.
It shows 7:21
